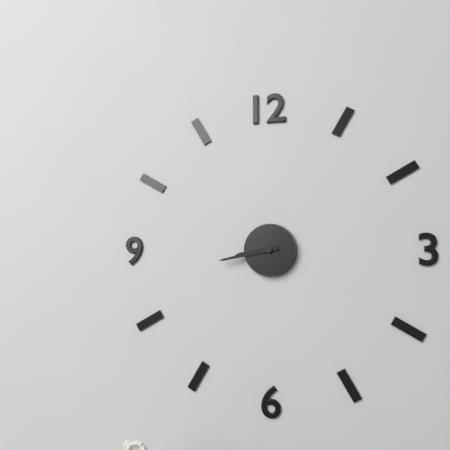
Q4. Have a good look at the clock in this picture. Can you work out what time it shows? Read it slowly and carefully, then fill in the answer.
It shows 8:43
